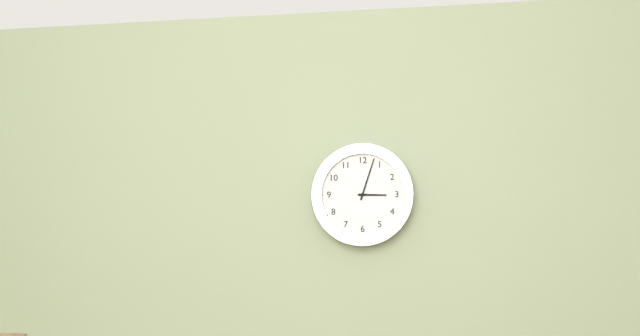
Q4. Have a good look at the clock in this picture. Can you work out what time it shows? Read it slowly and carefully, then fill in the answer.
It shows 3:03
